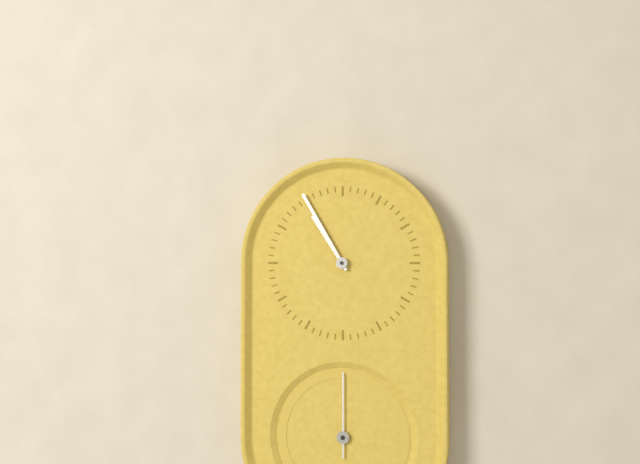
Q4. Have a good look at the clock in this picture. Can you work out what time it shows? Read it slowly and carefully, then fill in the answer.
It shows 10:55:00
